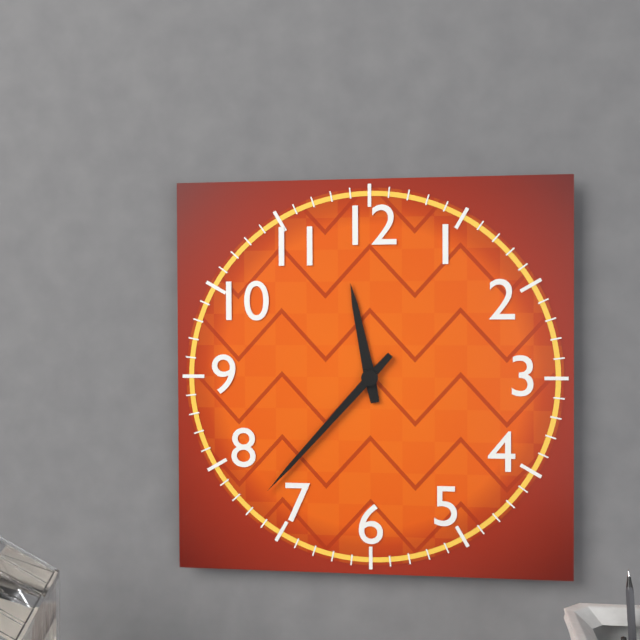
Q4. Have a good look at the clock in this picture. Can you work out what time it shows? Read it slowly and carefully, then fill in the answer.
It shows 11:37
